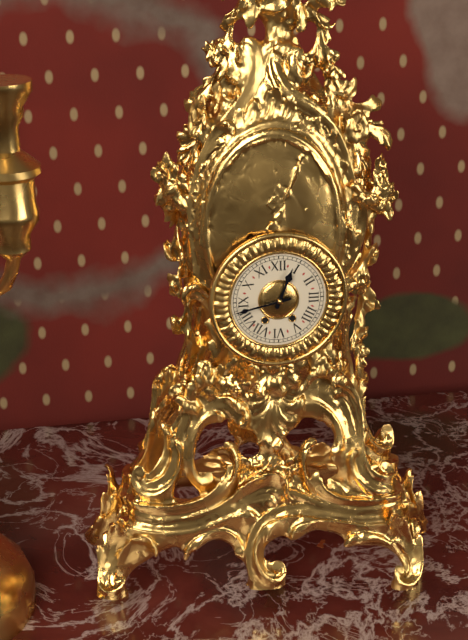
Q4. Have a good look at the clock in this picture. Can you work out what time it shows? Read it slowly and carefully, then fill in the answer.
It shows 12:43
